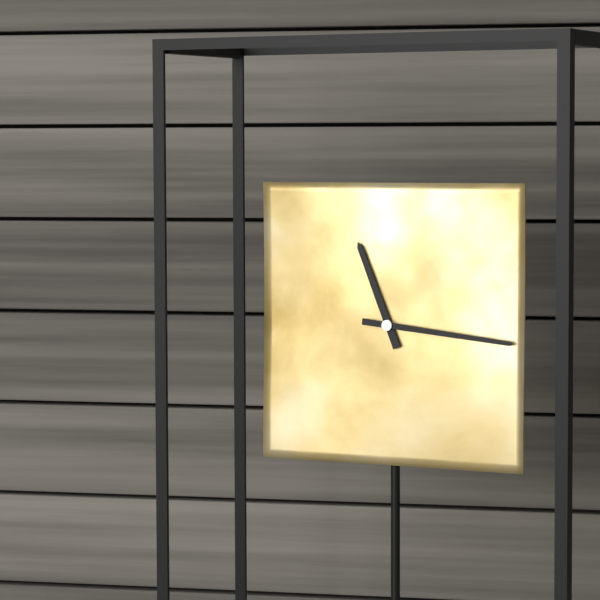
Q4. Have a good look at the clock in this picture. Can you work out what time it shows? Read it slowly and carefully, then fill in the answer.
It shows 11:16
